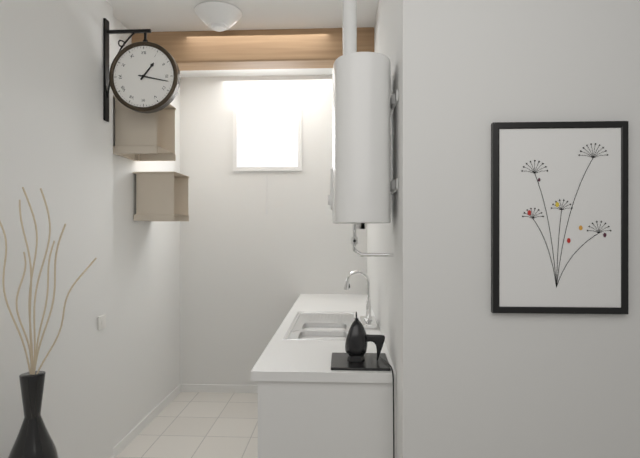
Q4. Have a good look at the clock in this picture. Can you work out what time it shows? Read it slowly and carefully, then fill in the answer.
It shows 1:17
